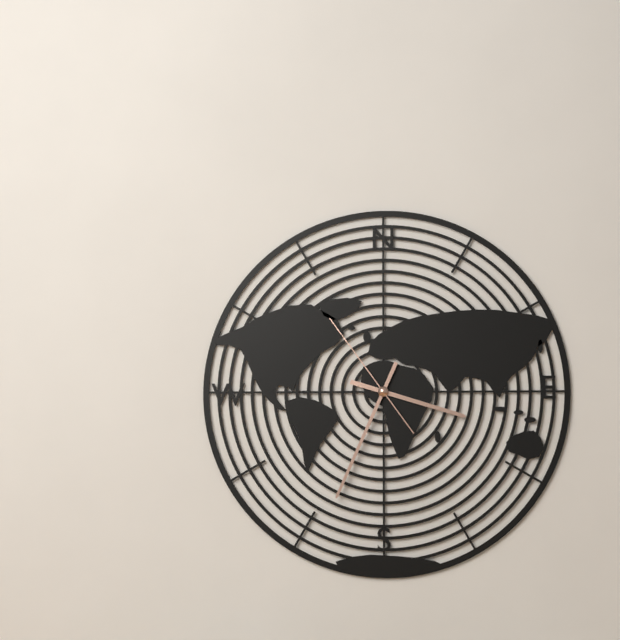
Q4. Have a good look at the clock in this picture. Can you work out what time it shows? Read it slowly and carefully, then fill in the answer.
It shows 3:34:54
